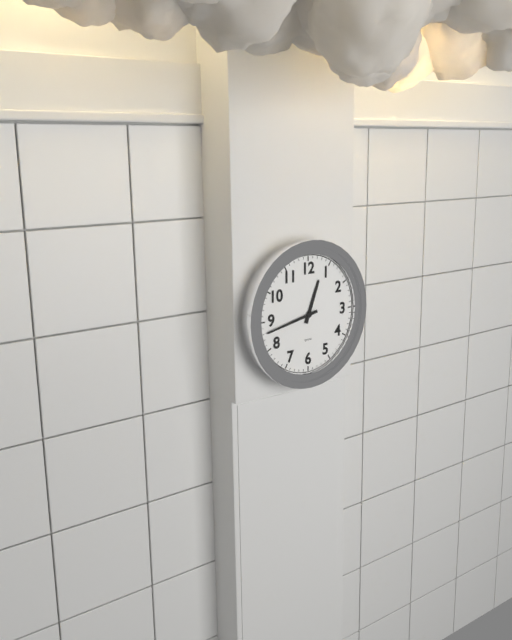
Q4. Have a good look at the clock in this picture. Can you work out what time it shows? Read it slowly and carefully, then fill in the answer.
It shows 12:43
